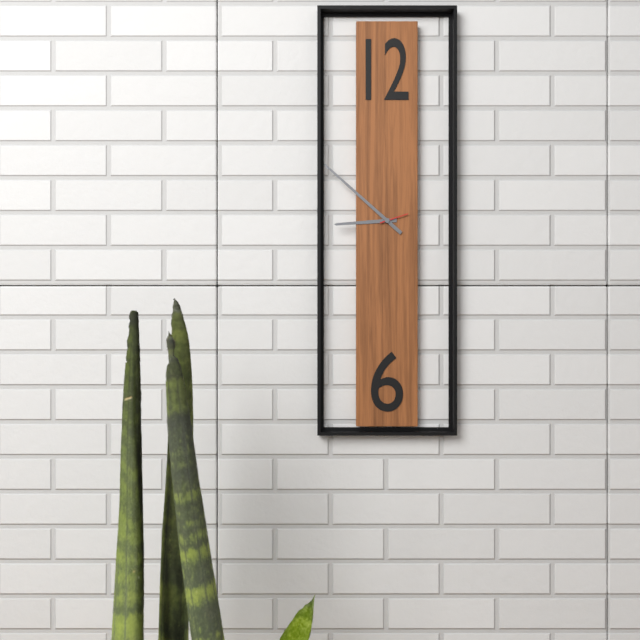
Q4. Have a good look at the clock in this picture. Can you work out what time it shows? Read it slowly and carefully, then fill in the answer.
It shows 8:52
